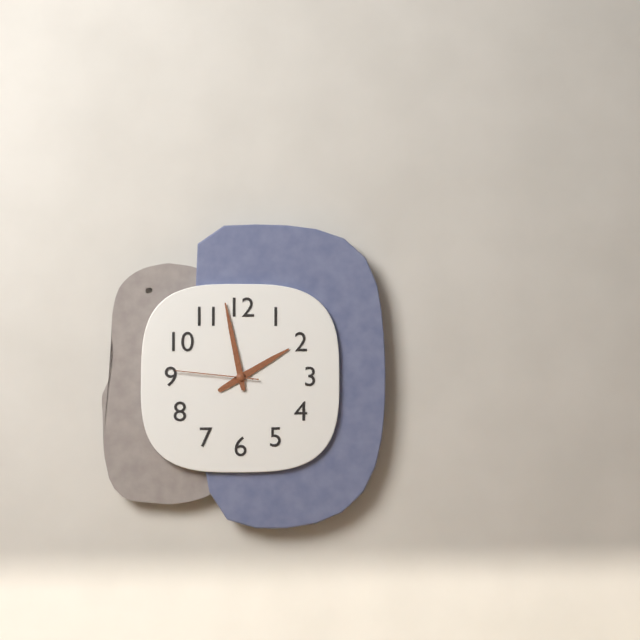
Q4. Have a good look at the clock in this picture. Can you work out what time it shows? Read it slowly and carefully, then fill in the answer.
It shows 1:58:46
